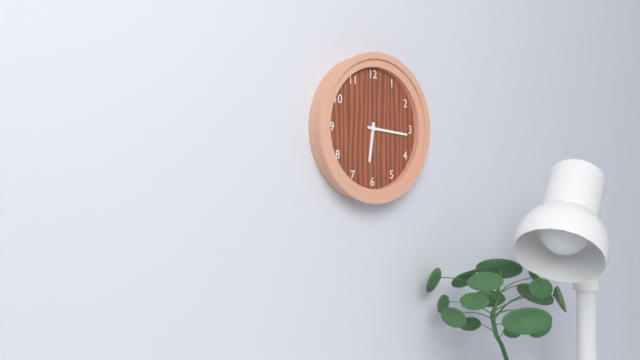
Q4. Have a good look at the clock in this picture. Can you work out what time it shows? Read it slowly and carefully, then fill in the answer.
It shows 6:16
